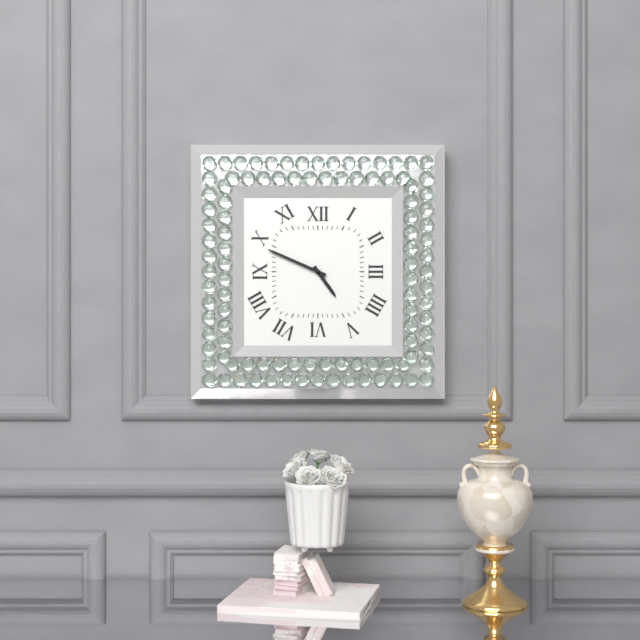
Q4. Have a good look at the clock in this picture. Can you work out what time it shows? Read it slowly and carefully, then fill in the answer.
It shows 4:49
